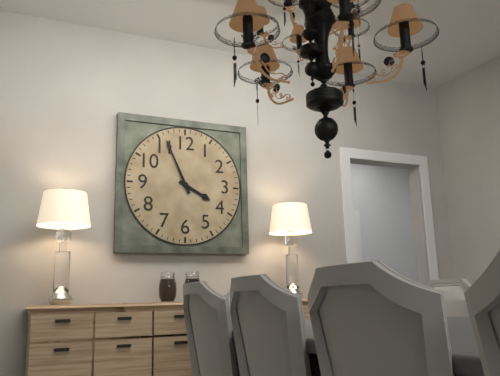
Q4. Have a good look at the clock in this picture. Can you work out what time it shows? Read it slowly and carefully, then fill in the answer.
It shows 3:56
